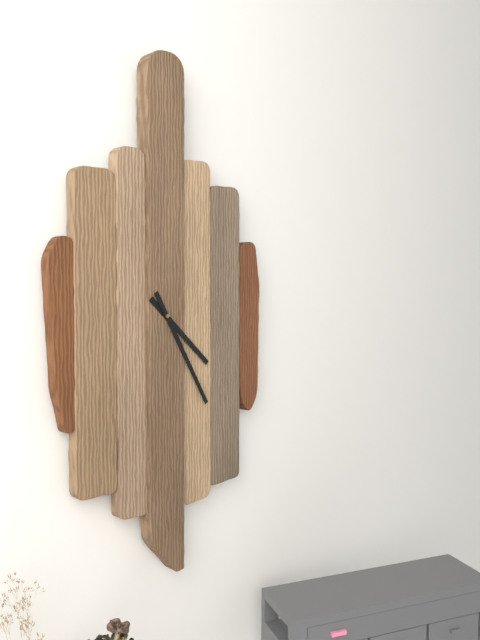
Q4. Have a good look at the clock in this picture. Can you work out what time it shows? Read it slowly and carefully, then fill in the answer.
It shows 4:25
